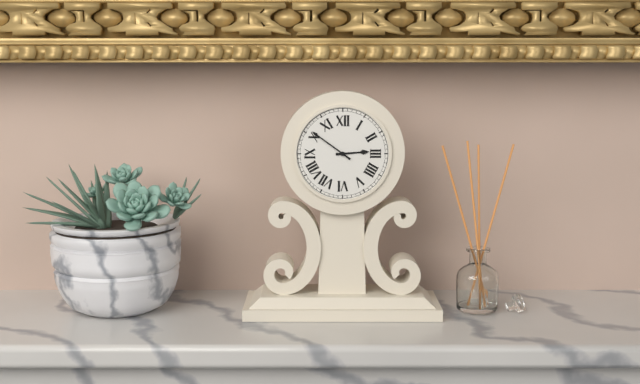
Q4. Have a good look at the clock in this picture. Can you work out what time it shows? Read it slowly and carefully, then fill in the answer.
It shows 2:51
